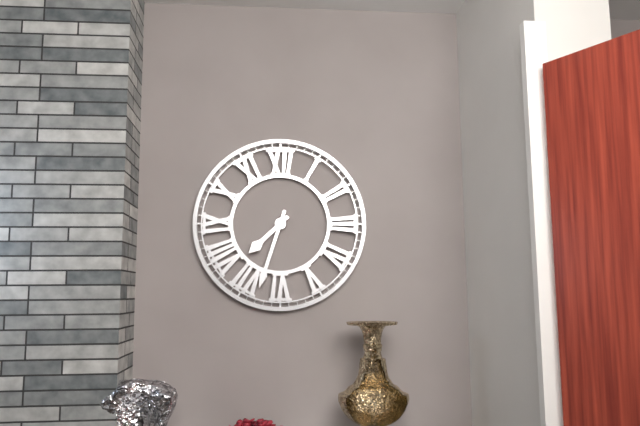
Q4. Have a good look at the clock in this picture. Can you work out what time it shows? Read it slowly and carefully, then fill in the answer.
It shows 7:33
